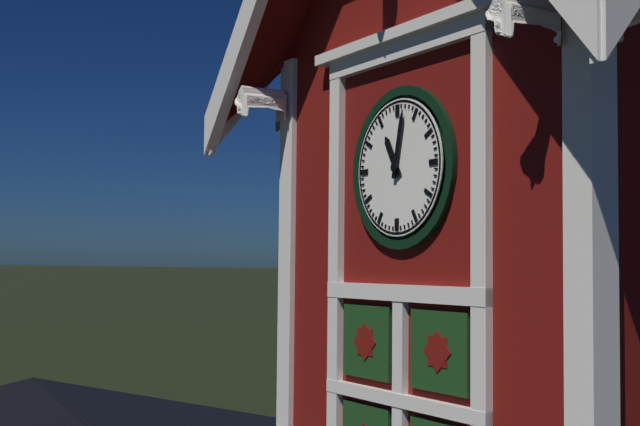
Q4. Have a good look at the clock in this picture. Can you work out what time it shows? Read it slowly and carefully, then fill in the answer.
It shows 11:02
